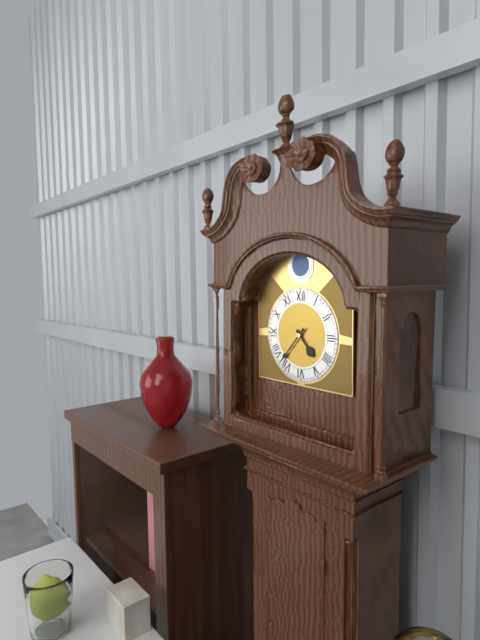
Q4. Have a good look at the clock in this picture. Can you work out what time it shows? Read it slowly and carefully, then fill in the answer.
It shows 4:37
